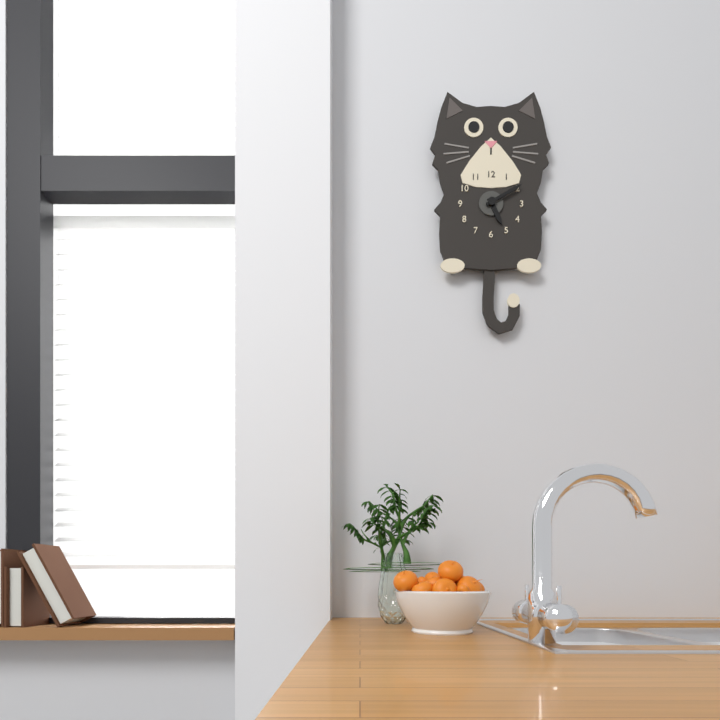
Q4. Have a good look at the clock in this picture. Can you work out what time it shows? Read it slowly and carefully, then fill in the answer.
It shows 5:10
